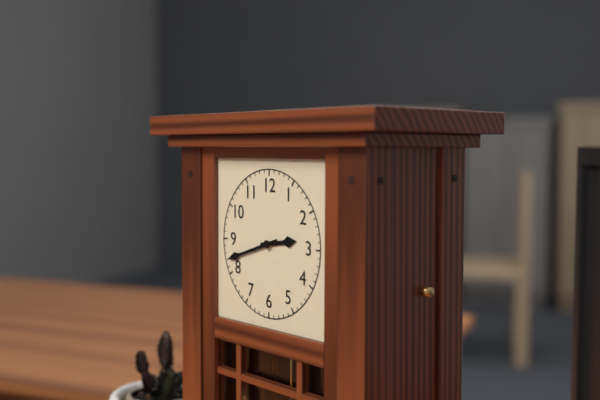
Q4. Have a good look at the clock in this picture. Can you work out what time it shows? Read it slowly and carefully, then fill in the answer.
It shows 2:42
